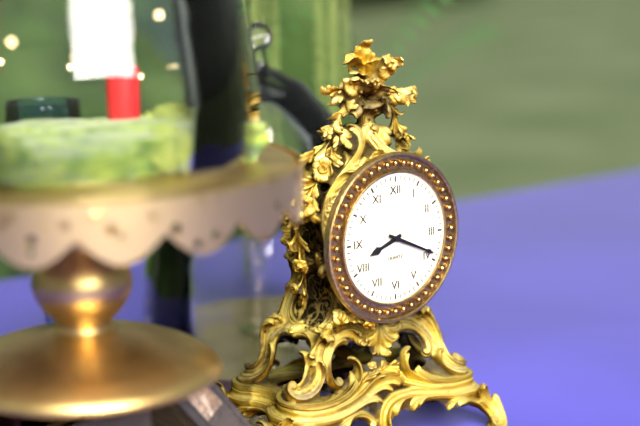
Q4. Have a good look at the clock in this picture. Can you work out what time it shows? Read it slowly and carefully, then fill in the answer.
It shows 8:19
